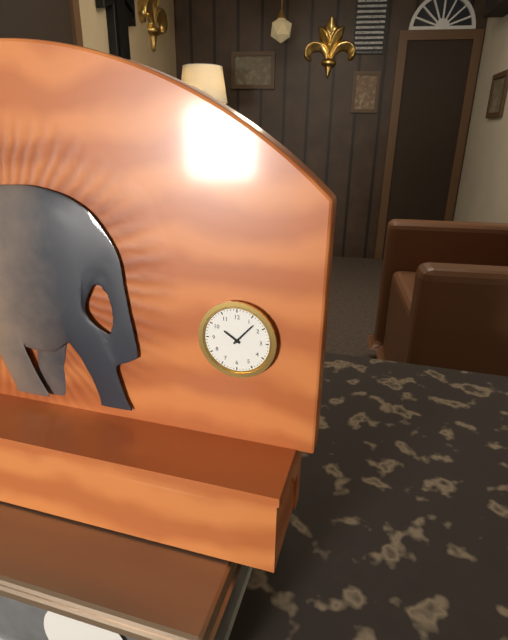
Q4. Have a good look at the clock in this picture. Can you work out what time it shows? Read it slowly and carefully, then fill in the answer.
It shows 10:07
